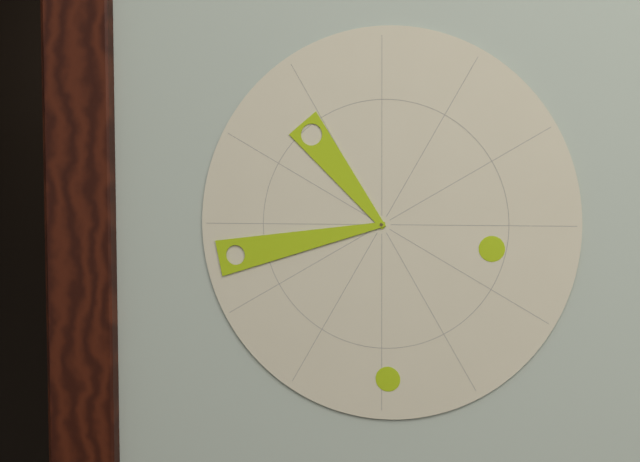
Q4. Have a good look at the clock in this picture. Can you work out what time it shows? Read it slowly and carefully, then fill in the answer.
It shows 10:43
